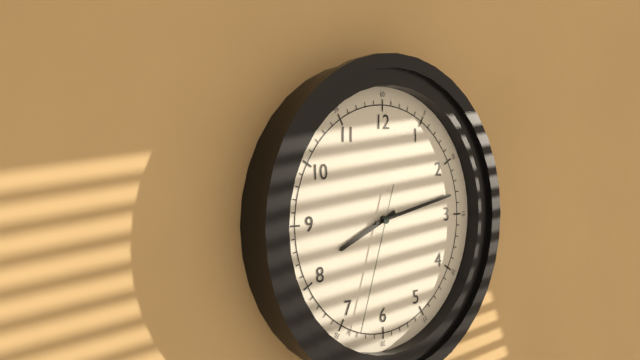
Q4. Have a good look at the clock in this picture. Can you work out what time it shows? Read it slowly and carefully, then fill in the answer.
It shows 8:13:33
